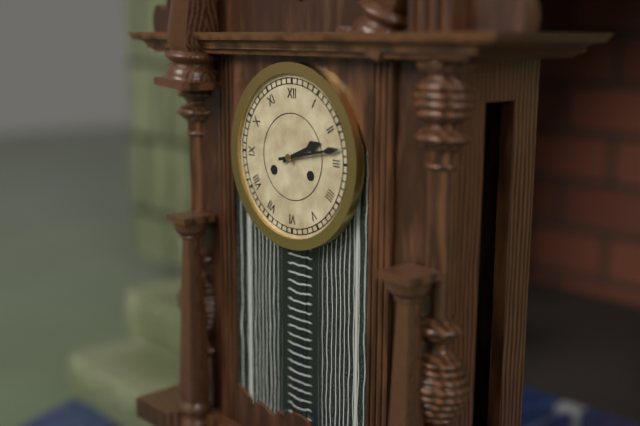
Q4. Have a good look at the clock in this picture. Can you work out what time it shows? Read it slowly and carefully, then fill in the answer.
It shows 2:13
